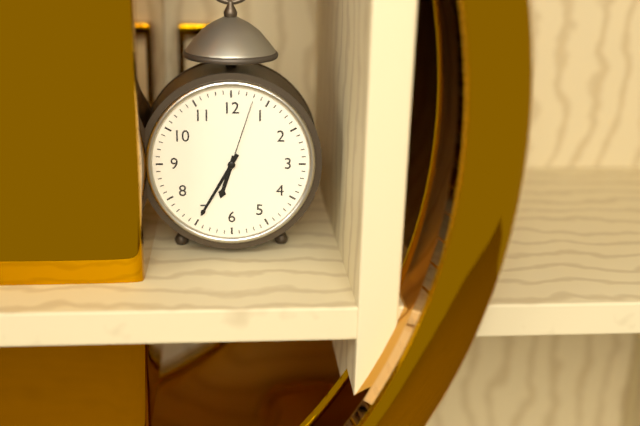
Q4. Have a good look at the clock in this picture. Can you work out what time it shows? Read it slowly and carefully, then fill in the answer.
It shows 6:35:03
